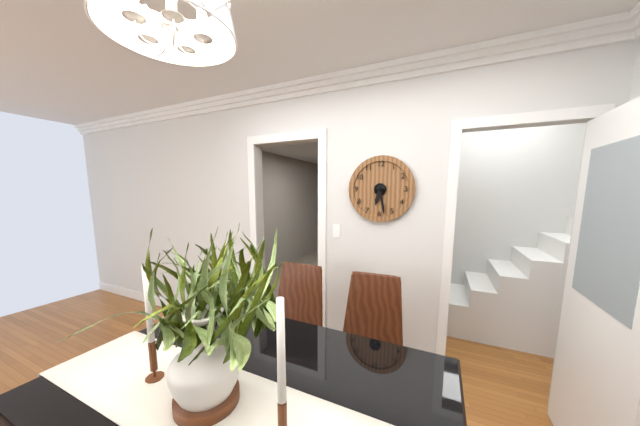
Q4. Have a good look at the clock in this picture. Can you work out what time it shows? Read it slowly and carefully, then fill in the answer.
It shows 6:28
